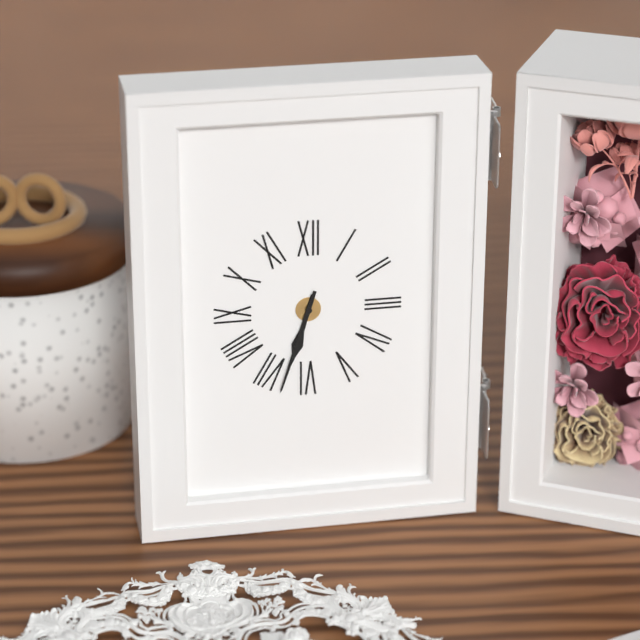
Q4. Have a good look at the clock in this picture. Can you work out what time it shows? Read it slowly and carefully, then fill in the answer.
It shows 6:33
